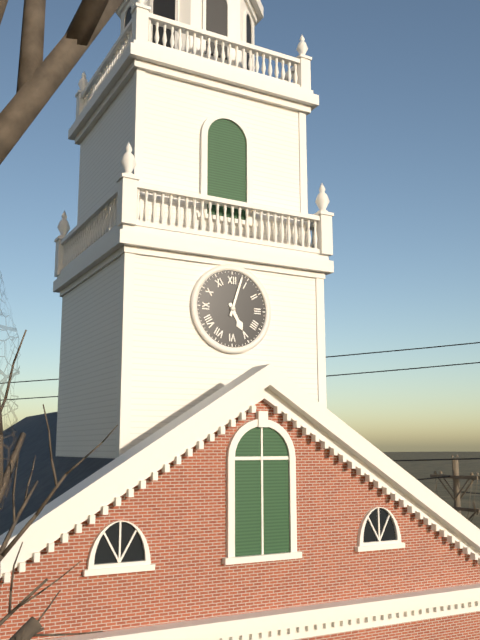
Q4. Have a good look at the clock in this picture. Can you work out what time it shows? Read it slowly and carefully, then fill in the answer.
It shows 5:03
